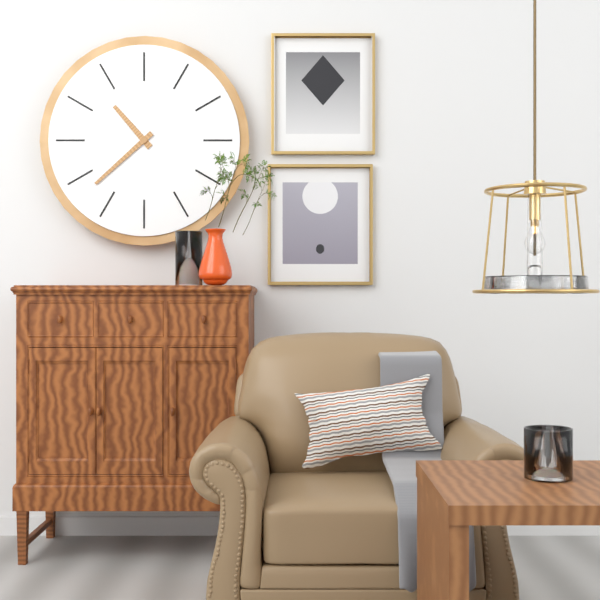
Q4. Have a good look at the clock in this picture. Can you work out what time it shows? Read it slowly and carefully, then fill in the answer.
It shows 10:38
